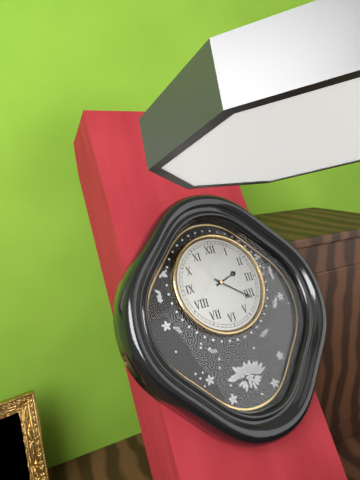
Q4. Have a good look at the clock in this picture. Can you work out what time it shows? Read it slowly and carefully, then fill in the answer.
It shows 2:21
